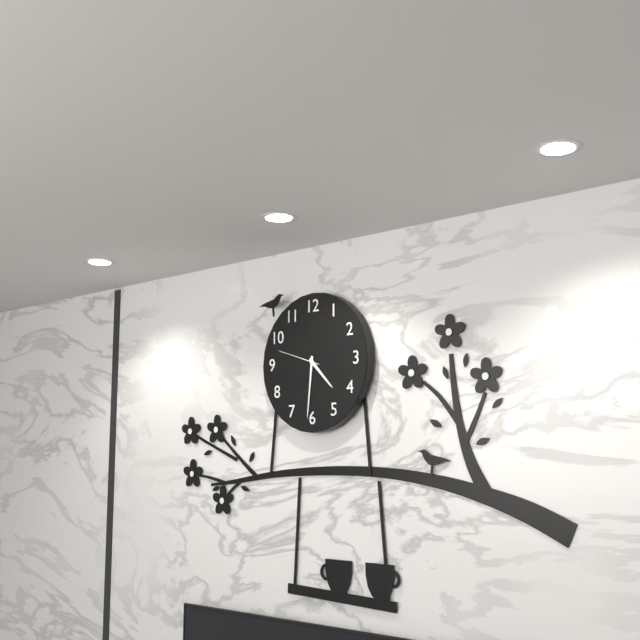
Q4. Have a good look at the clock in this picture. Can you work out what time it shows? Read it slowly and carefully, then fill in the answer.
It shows 4:31
